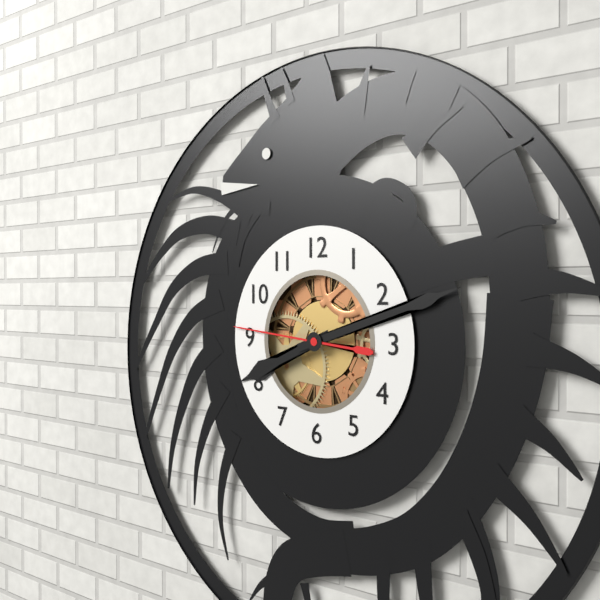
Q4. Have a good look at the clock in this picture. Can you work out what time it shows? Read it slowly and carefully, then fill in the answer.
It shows 8:12:46
